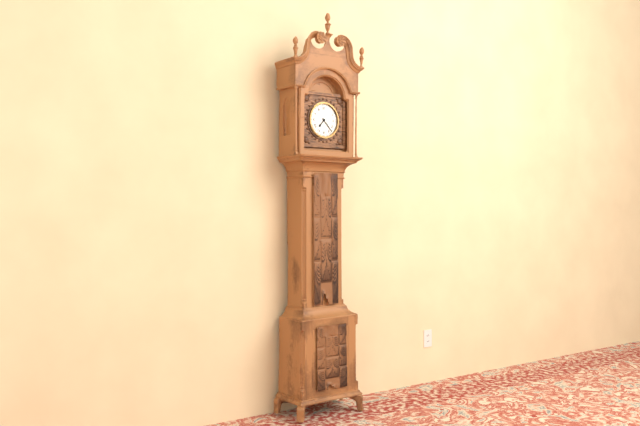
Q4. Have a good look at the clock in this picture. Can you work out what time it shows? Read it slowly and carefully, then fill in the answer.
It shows 7:23
